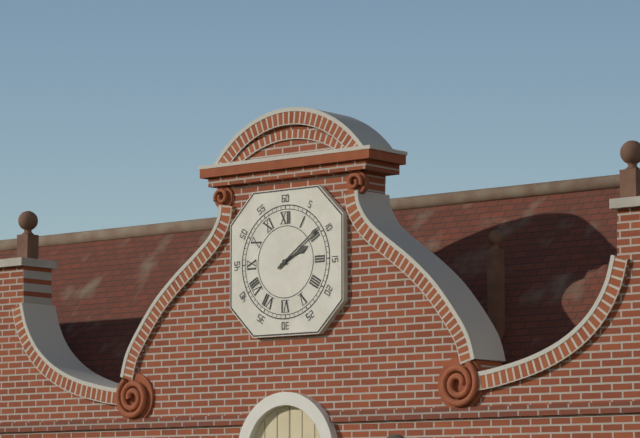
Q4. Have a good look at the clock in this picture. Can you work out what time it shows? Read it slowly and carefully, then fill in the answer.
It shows 2:09
